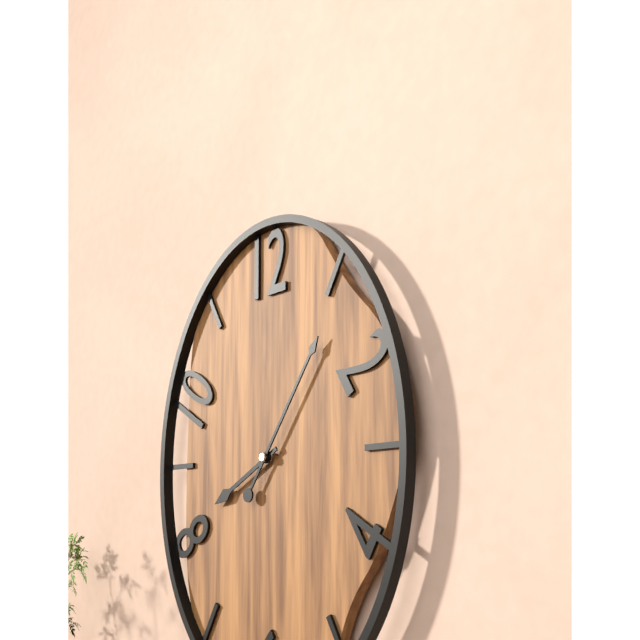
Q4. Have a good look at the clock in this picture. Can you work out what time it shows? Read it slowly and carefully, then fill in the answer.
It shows 8:06
